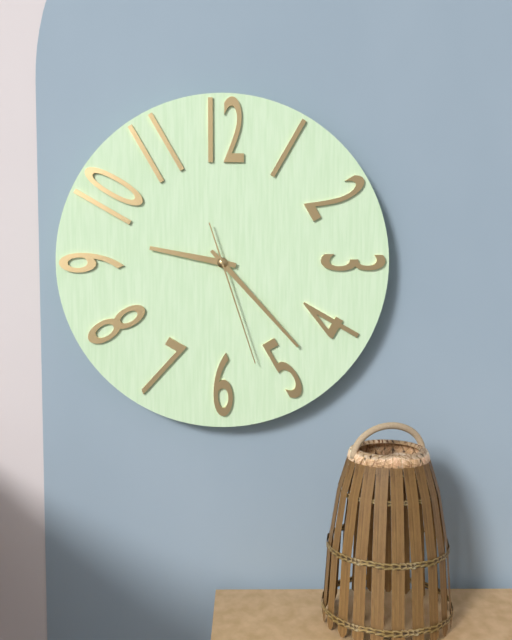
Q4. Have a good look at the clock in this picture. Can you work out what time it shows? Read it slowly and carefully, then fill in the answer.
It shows 9:23:27
